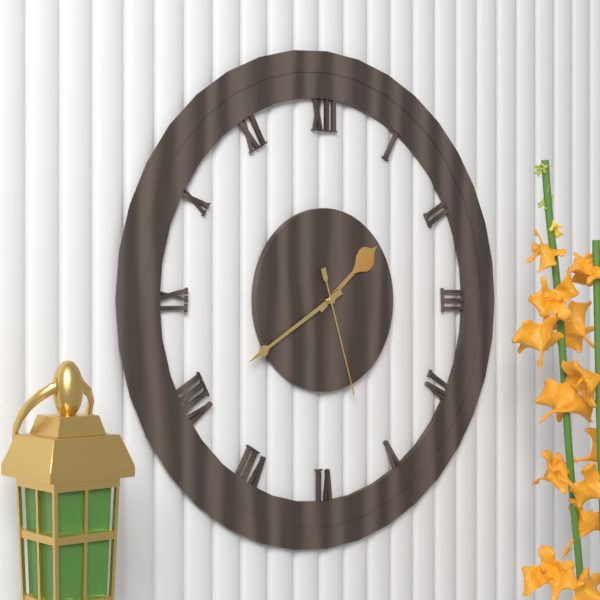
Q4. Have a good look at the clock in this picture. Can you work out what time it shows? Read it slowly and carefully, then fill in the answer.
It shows 1:40:27
